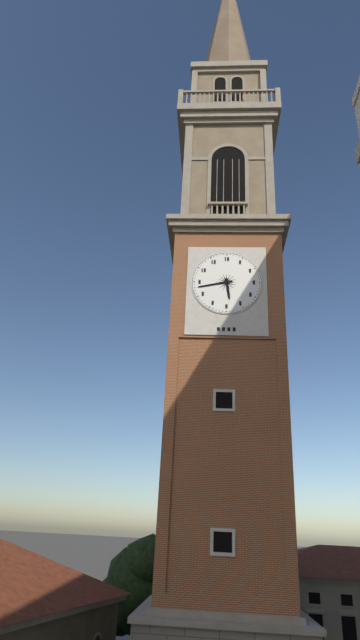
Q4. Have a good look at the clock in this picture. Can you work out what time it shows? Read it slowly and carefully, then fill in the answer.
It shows 5:43
